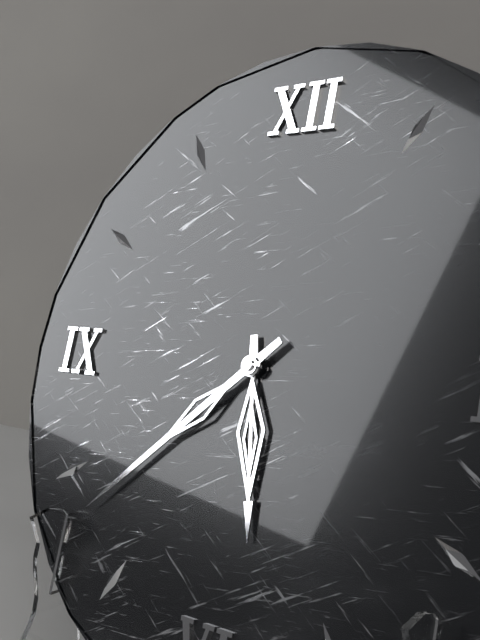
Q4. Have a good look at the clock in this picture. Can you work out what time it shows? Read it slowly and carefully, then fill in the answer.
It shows 5:38
